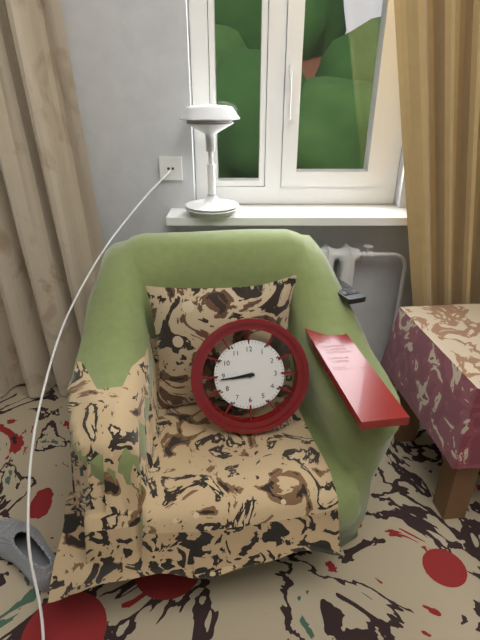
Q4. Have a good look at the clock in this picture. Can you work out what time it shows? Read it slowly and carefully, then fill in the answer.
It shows 8:44
